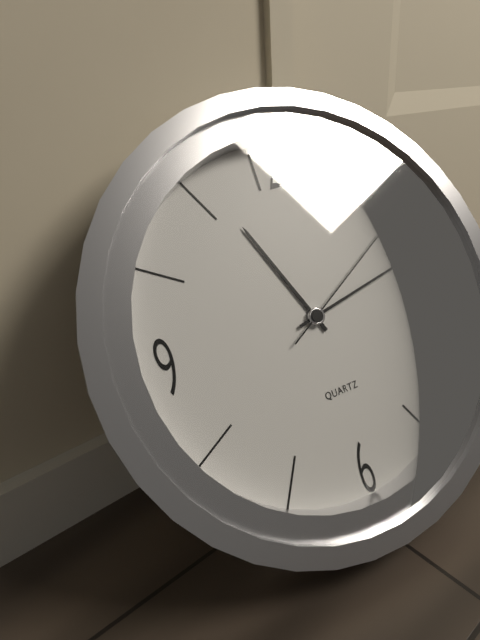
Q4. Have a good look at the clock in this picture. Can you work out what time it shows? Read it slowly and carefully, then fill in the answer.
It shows 11:13:10
